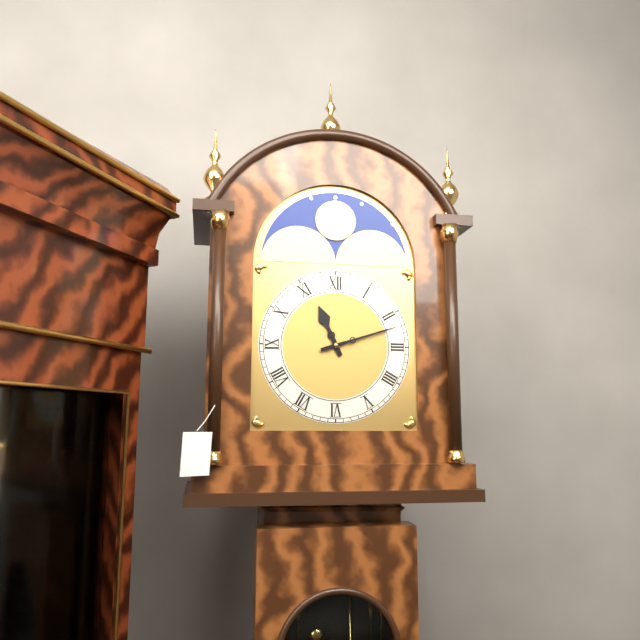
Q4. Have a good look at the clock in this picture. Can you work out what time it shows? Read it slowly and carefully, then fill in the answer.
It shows 11:12
